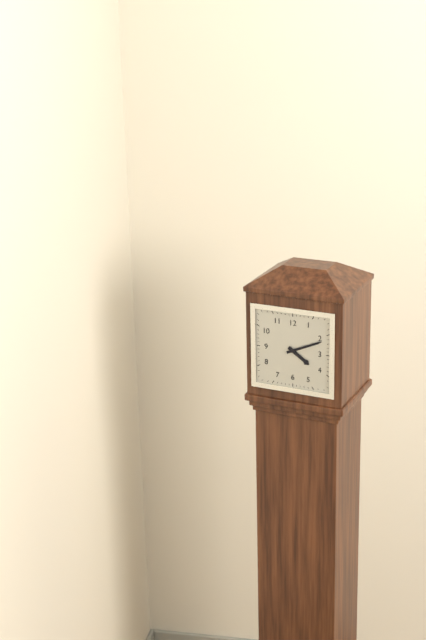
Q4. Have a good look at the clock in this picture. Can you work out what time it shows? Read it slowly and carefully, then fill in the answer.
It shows 4:11
